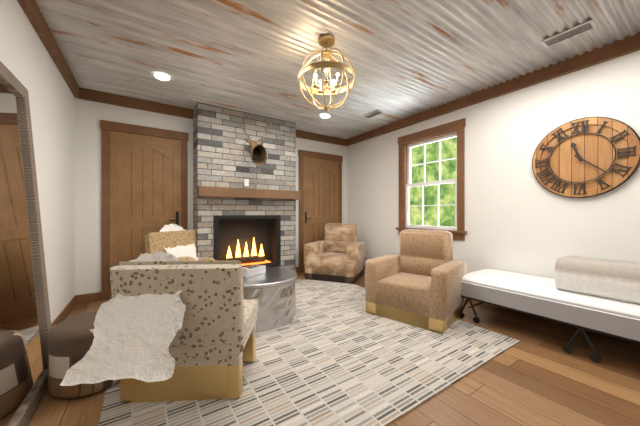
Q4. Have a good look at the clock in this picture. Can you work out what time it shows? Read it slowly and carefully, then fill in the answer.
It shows 11:22
